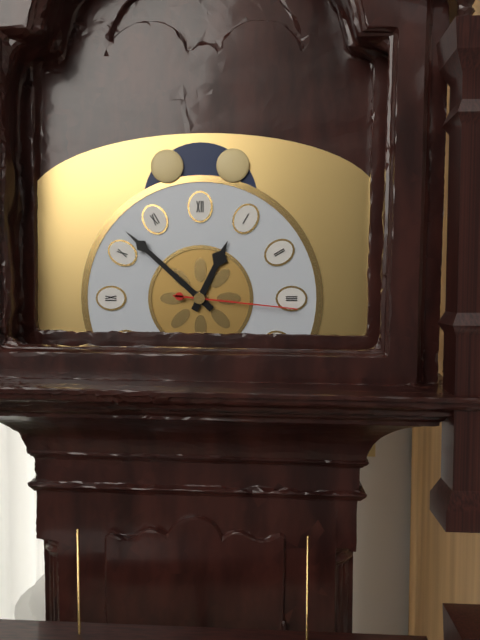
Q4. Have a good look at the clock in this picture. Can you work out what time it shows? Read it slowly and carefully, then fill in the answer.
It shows 12:52:16
